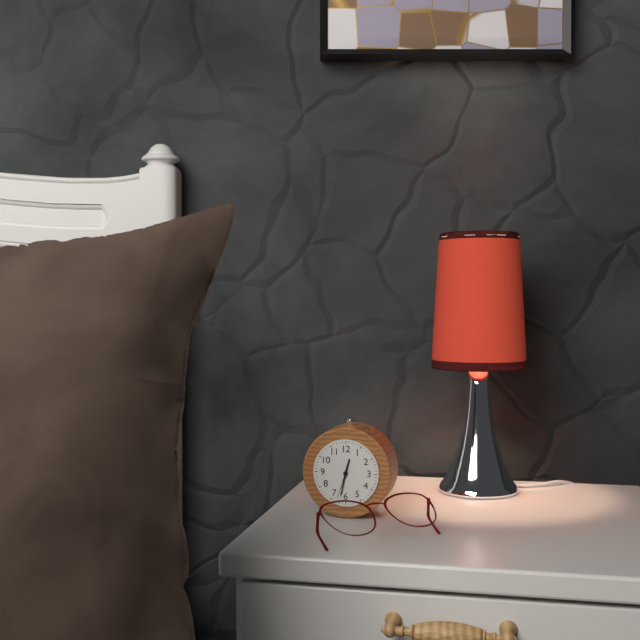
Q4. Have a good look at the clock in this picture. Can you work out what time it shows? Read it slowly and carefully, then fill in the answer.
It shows 12:32
